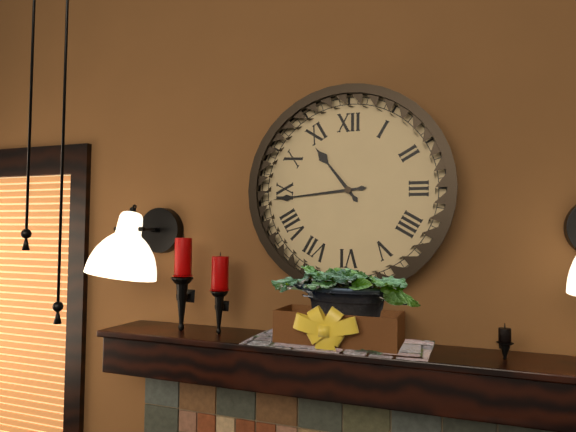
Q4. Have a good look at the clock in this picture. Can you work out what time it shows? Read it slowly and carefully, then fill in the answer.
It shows 10:44
